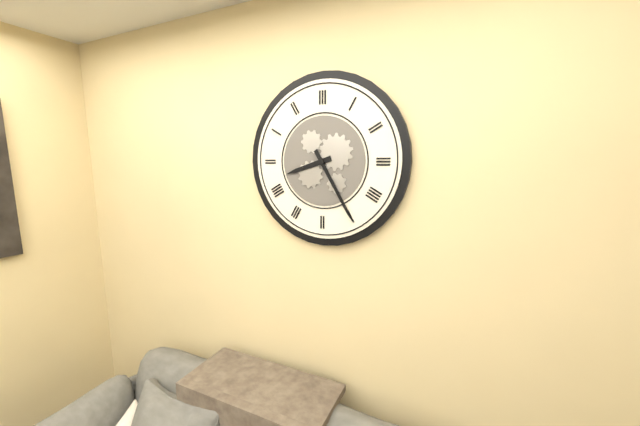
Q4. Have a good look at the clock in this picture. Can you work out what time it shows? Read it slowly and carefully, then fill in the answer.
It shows 8:25
